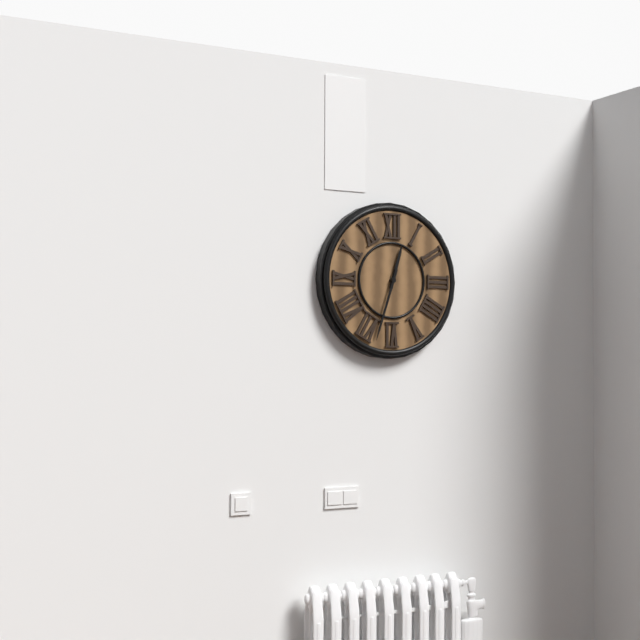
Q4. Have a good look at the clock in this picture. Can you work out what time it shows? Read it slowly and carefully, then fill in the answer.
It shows 12:33
